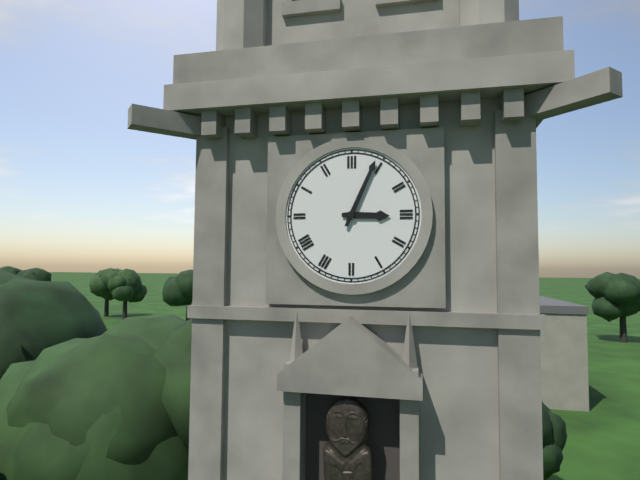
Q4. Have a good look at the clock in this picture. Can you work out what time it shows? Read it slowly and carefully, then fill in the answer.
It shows 3:04
